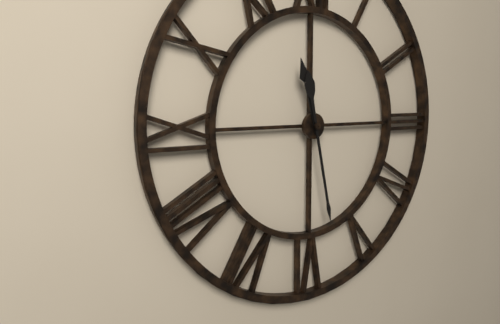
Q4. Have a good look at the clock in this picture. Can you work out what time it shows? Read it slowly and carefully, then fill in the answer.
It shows 11:28
